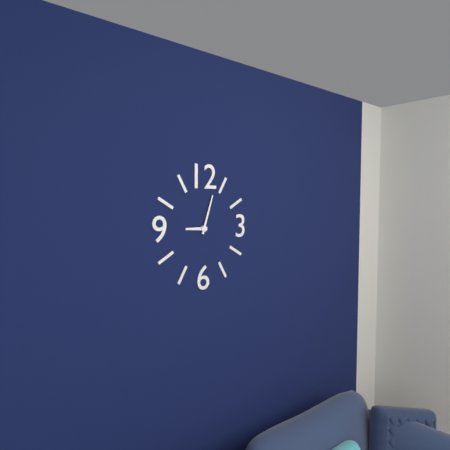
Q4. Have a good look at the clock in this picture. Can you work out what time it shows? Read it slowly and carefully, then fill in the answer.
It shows 9:03
